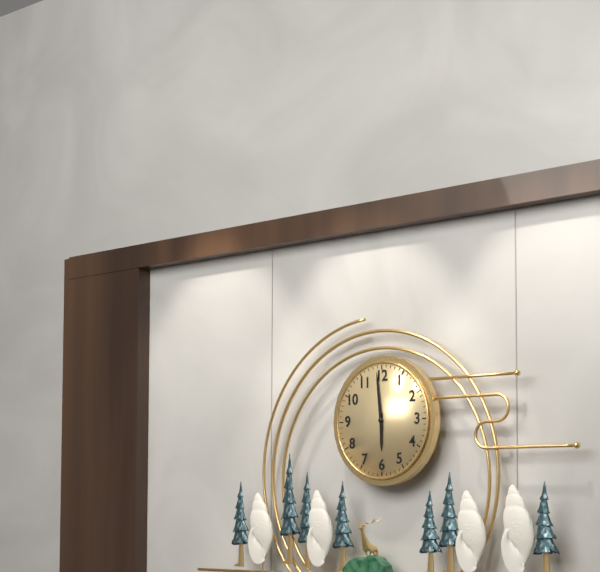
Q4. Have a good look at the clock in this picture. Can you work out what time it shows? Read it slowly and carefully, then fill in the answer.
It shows 5:59
